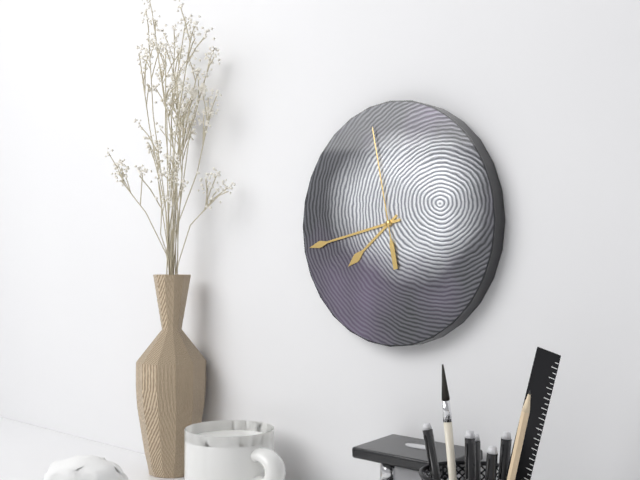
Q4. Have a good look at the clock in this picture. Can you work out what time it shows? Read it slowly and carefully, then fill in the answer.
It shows 7:43:58
